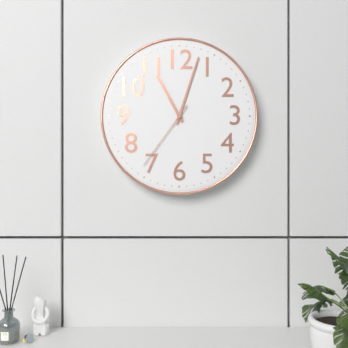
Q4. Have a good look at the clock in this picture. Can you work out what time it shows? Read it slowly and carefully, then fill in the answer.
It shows 11:03:36
